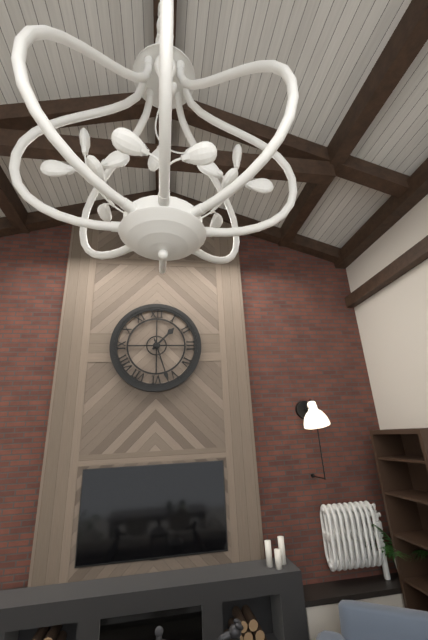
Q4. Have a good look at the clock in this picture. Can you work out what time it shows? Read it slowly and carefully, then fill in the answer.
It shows 1:27
